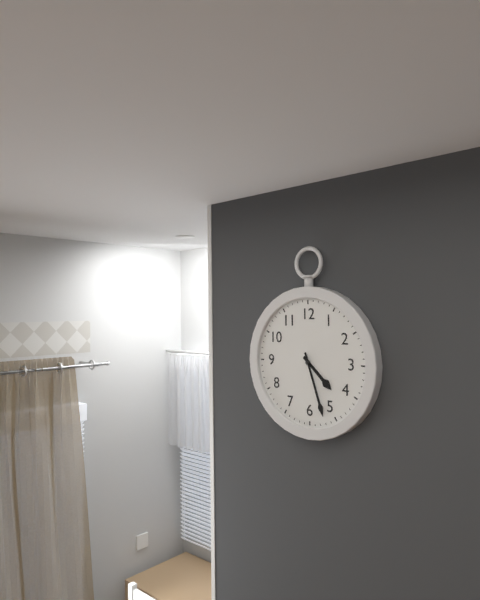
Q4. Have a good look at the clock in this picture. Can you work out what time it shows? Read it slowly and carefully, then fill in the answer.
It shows 4:27
